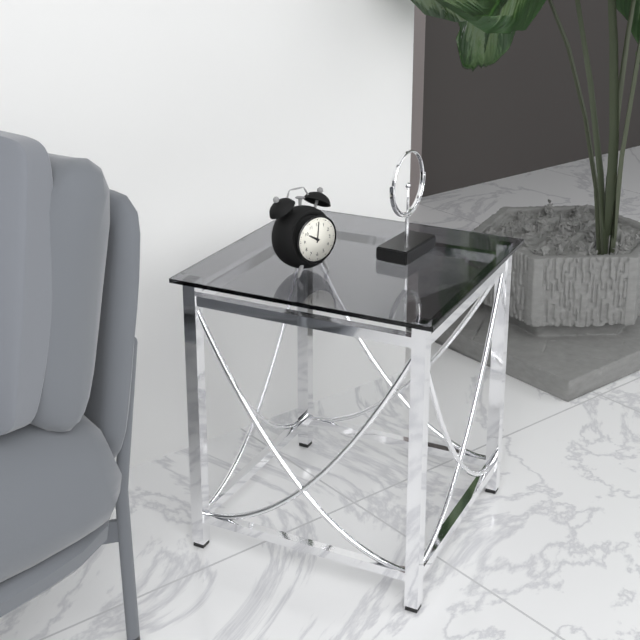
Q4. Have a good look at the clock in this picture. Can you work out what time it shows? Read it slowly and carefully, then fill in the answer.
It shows 10:01
